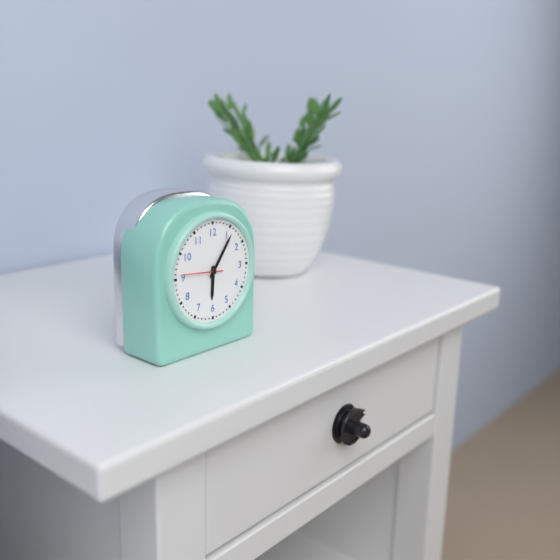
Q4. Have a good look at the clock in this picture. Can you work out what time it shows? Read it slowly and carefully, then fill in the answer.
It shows 6:06
